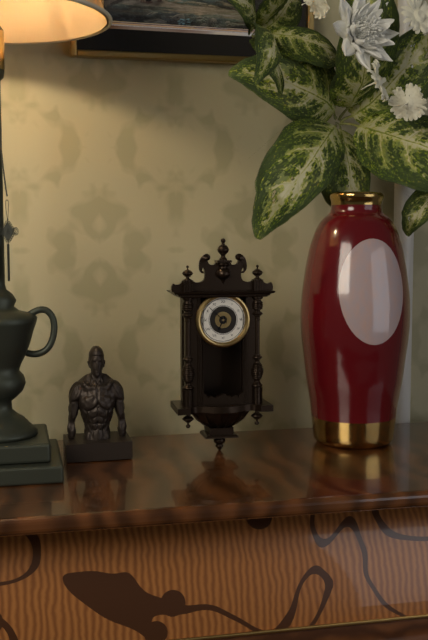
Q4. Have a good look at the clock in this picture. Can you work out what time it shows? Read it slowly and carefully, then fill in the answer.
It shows 6:52
